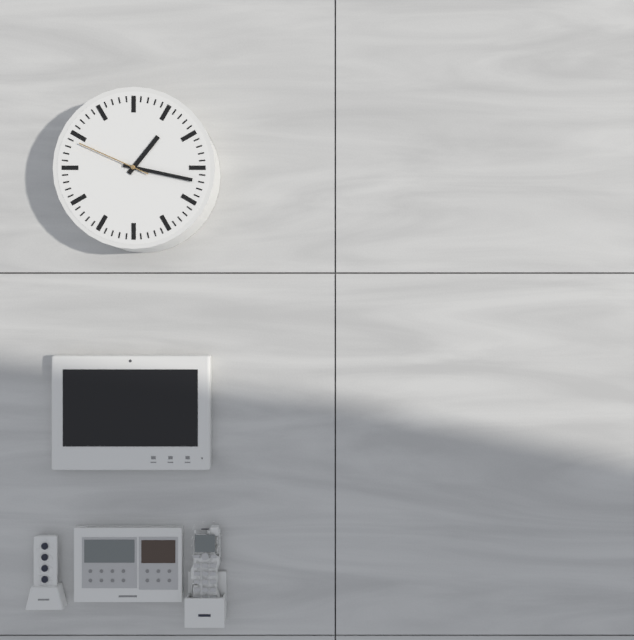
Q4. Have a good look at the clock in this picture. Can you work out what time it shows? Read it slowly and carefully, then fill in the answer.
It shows 1:17:49
